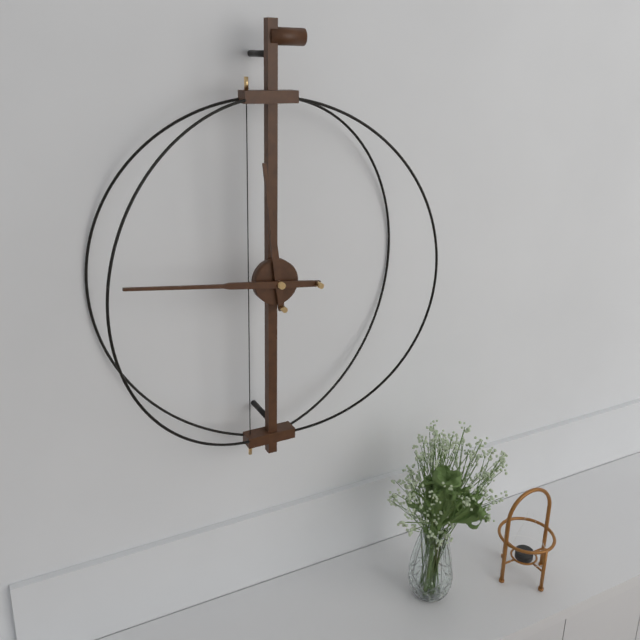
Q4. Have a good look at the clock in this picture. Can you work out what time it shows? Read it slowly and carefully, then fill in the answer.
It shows 11:46
